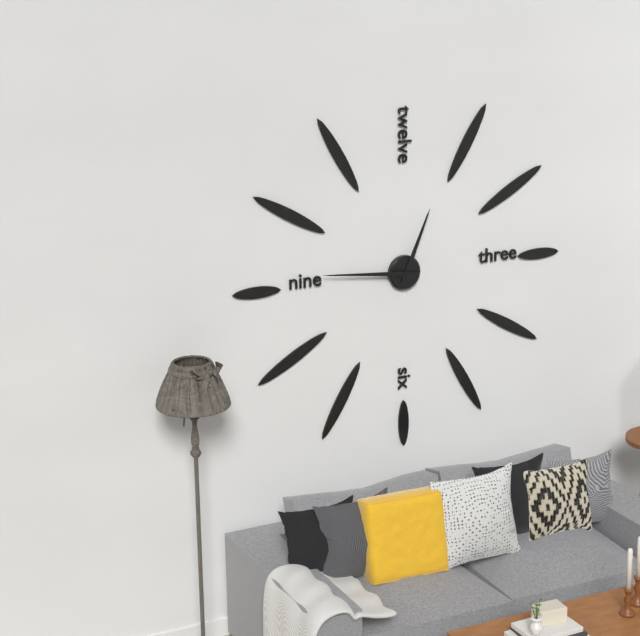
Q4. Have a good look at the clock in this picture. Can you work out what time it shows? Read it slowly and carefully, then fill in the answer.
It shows 12:46
